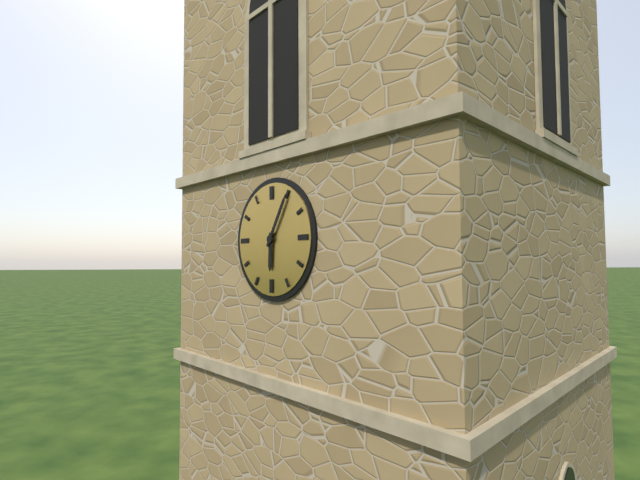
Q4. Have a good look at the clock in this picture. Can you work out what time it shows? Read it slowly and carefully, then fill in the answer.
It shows 6:05
